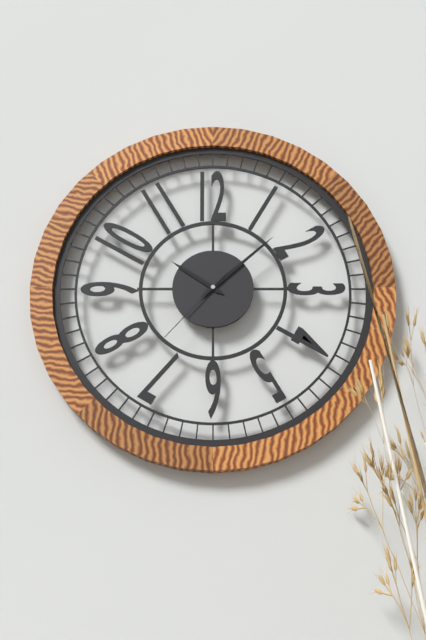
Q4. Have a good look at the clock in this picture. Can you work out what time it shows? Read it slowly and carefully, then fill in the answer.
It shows 10:08:37
